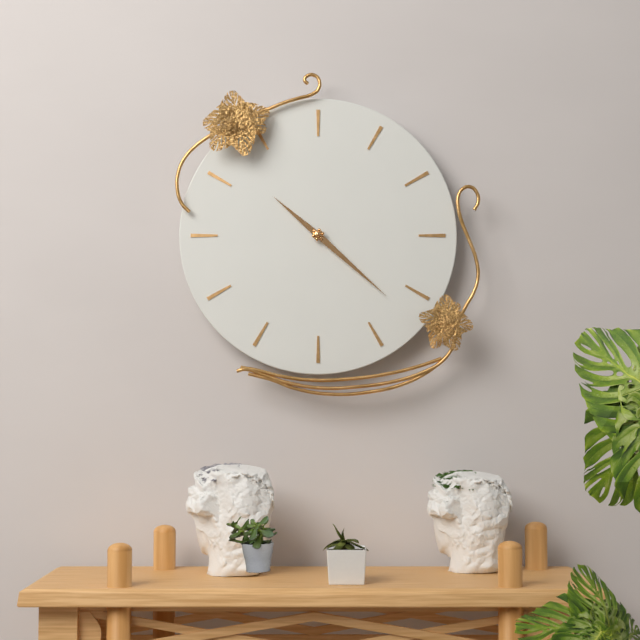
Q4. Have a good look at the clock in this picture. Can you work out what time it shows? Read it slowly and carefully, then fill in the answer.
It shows 10:22
